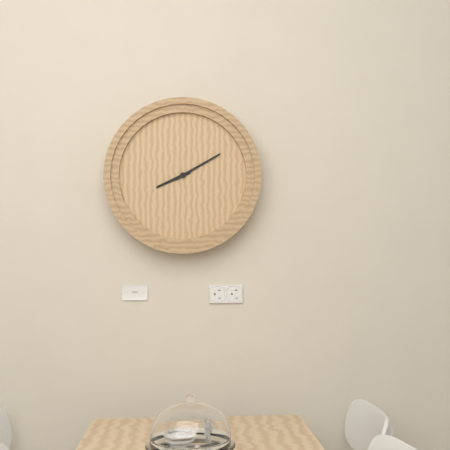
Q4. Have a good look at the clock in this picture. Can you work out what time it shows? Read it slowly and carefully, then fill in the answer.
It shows 8:10
